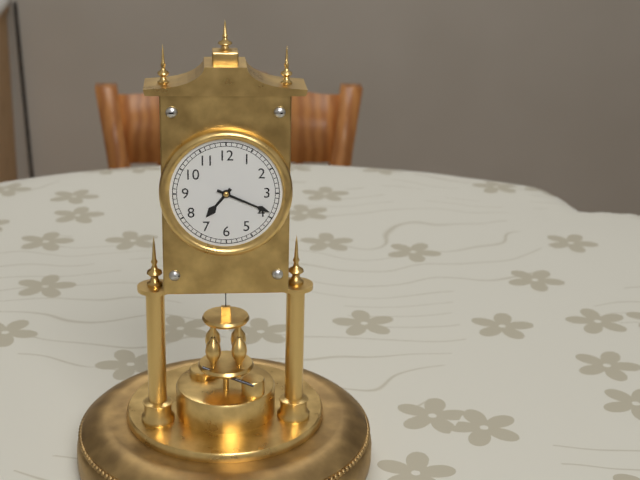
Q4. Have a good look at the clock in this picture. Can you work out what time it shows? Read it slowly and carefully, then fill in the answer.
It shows 7:19
